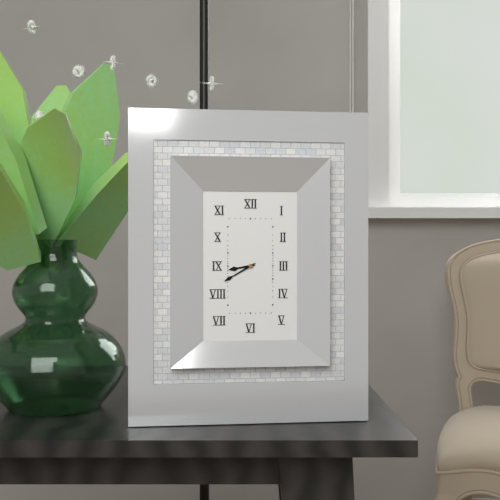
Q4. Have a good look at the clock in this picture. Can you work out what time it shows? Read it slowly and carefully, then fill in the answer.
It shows 8:40
